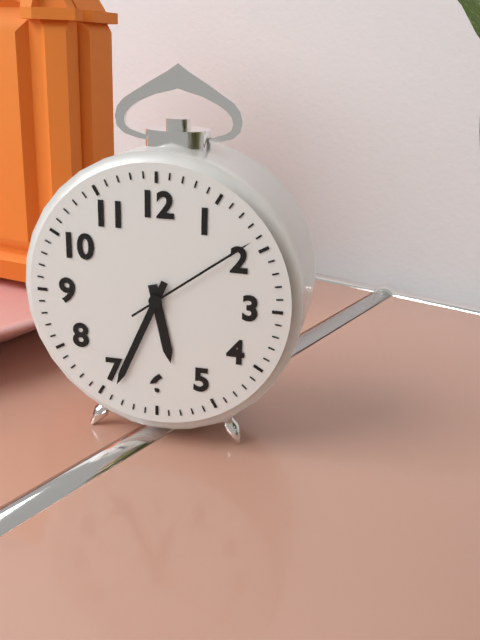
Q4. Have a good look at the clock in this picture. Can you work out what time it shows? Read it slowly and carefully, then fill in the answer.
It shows 5:34:09
